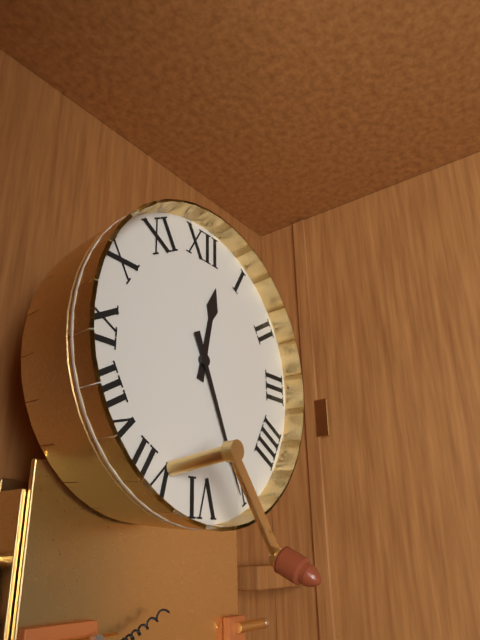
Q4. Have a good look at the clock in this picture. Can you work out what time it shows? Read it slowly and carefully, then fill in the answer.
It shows 12:26
